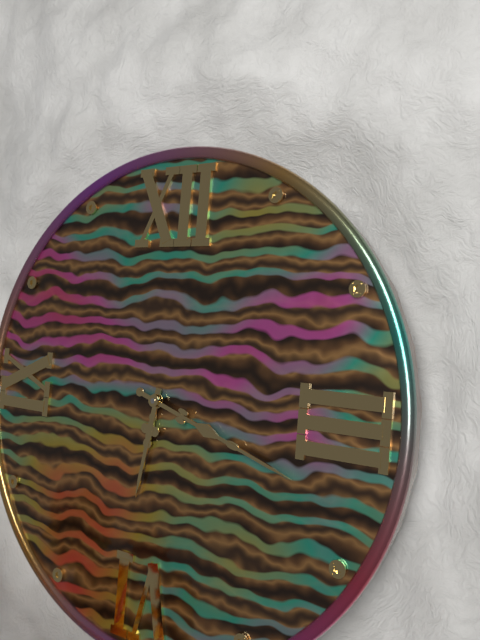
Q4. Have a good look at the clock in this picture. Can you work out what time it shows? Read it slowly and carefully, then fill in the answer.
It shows 6:18
